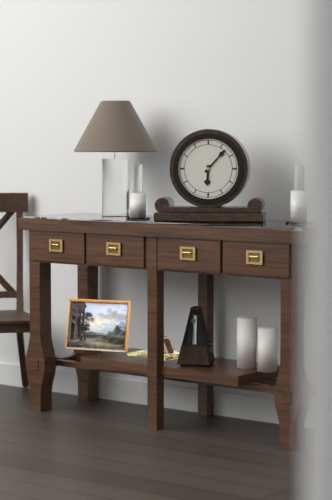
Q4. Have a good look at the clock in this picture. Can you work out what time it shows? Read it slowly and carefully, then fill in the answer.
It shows 6:07
